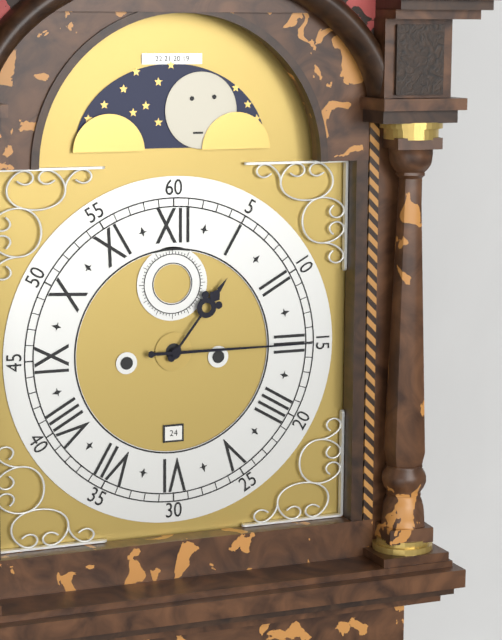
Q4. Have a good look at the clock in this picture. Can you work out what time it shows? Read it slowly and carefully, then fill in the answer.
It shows 1:15
